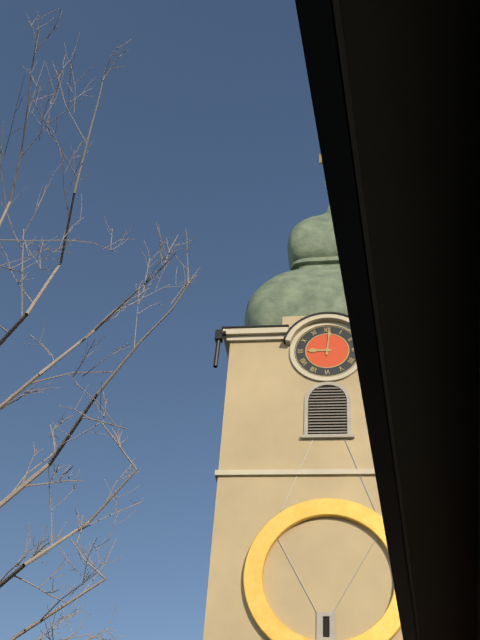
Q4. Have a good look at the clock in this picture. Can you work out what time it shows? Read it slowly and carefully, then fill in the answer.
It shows 9:01
